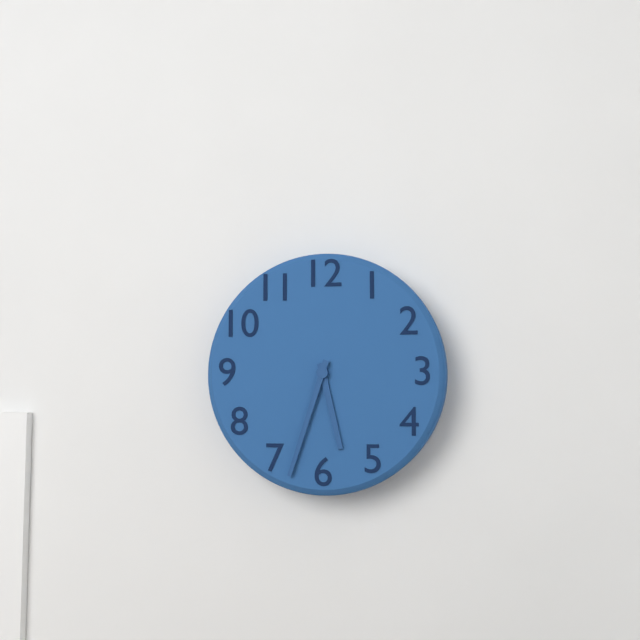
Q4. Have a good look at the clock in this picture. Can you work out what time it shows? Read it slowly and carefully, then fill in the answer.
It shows 5:33
